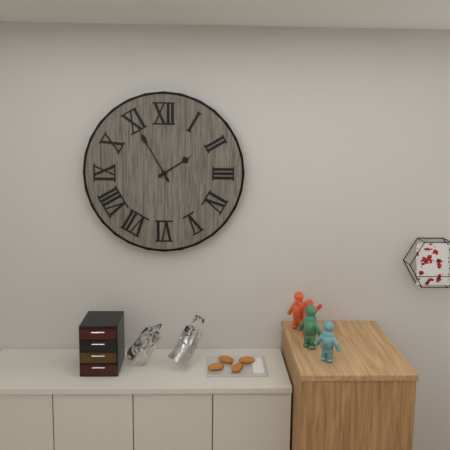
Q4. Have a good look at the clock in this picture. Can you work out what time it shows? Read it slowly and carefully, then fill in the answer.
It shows 1:55
